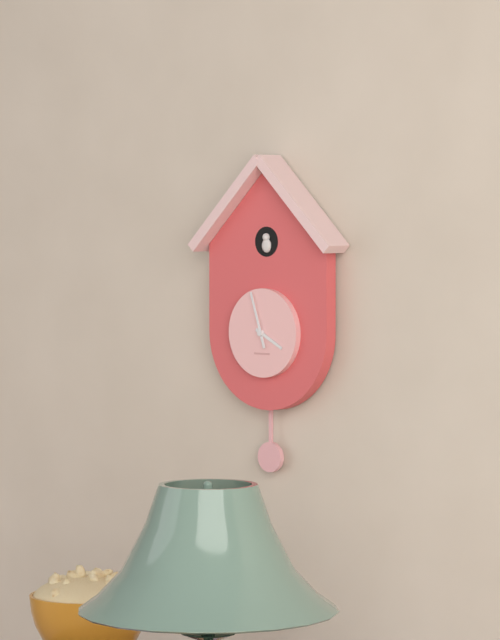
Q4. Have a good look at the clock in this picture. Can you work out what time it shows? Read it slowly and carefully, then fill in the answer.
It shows 3:57
